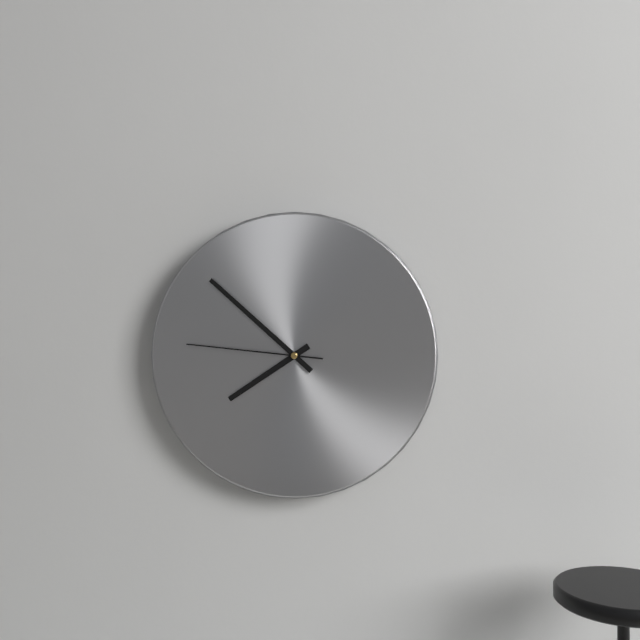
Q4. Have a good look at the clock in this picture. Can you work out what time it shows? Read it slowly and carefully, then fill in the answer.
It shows 7:52:46
